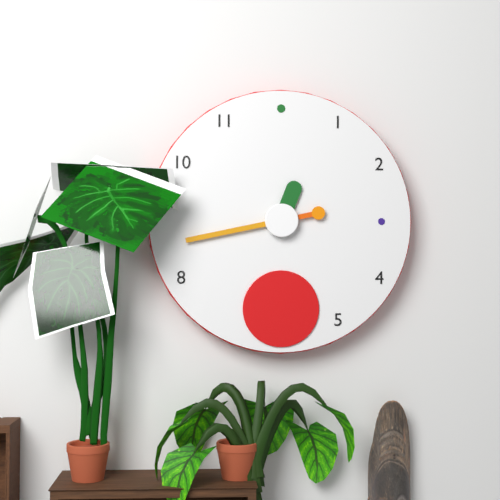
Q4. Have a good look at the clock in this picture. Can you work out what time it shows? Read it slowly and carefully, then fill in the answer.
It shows 12:43
